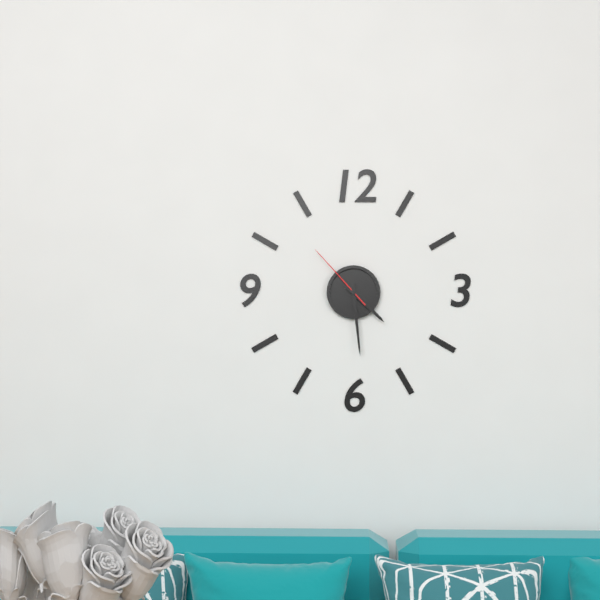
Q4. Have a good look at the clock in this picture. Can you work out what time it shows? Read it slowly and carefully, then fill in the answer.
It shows 4:29:53
